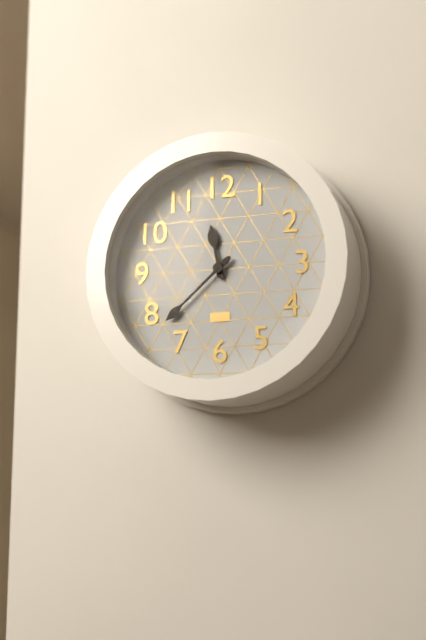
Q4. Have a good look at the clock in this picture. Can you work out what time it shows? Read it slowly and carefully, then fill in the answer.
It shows 11:38
